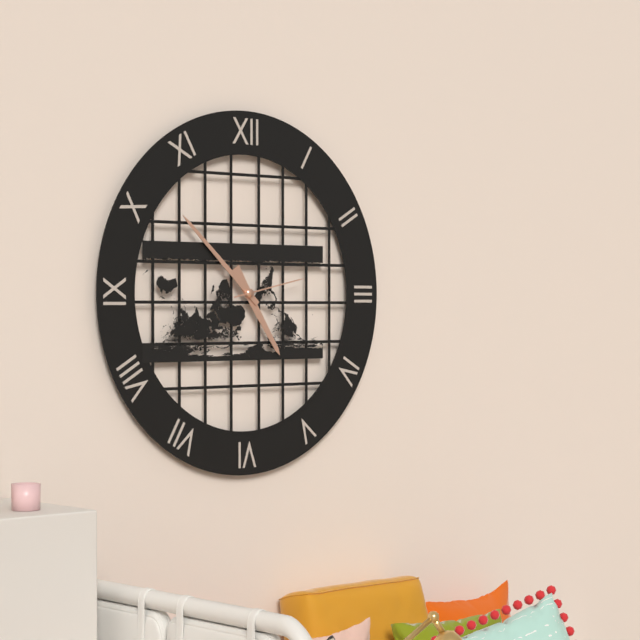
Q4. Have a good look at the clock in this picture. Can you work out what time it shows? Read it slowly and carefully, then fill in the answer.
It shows 4:52:13
